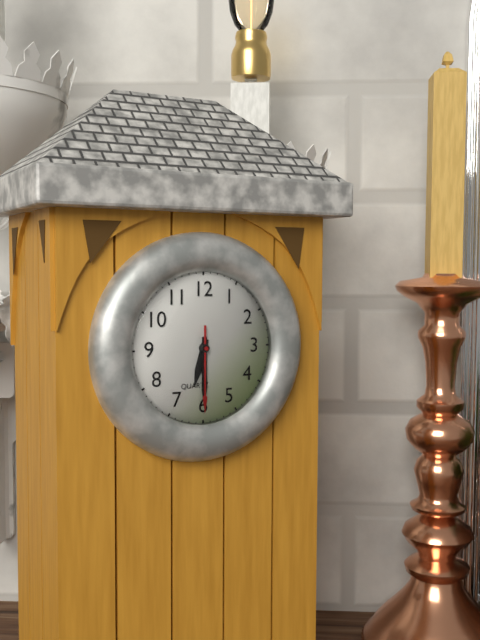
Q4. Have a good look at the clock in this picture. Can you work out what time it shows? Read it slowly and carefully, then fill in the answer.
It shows 6:30:30
